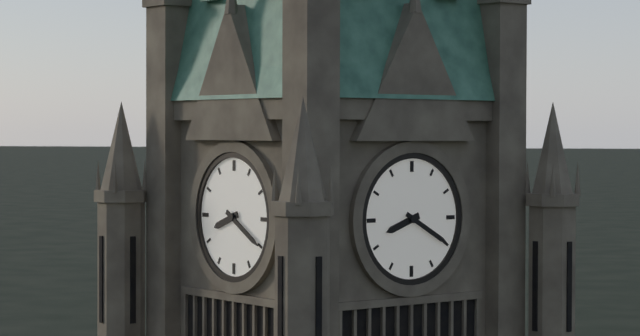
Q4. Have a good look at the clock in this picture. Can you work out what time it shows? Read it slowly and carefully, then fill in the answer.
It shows 8:20
